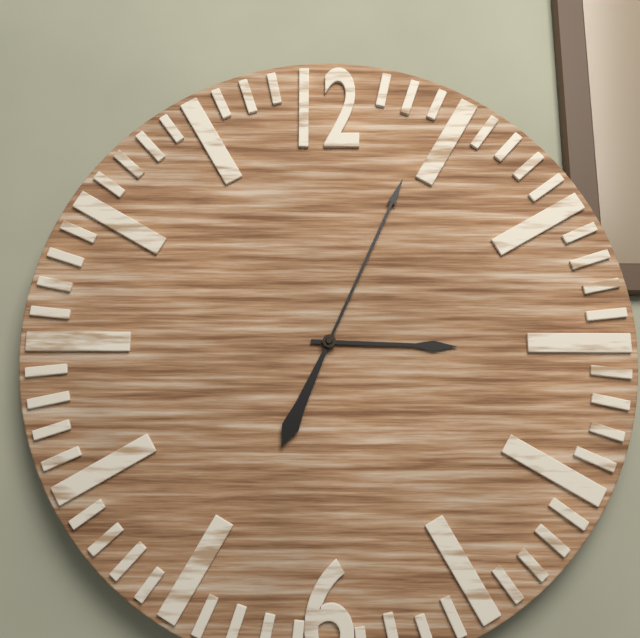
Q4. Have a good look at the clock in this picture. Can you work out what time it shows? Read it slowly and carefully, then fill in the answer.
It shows 3:04
